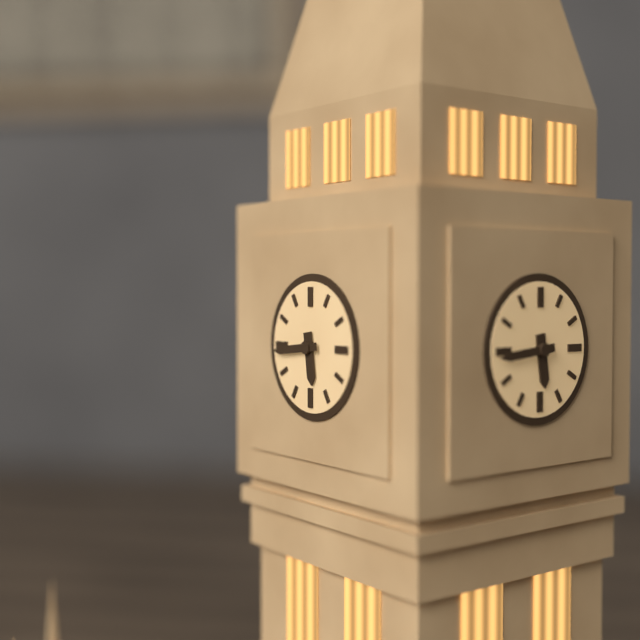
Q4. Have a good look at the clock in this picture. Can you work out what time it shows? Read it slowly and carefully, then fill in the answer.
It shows 5:44
